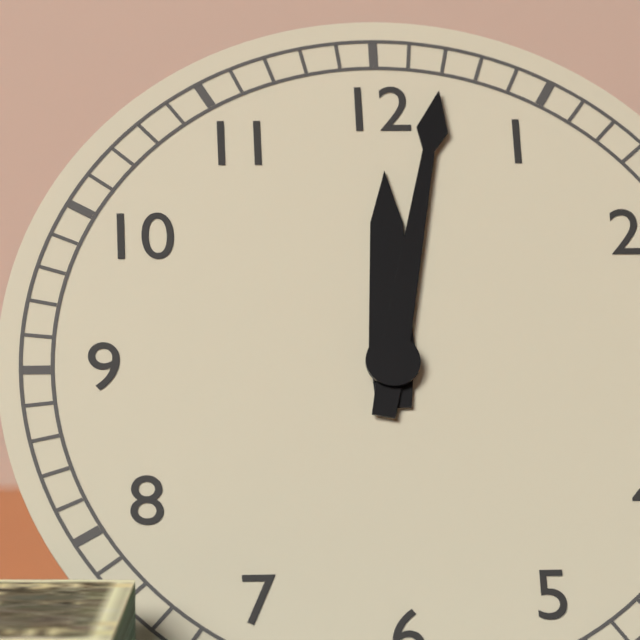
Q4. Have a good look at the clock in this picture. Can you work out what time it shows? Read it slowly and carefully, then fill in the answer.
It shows 12:02
